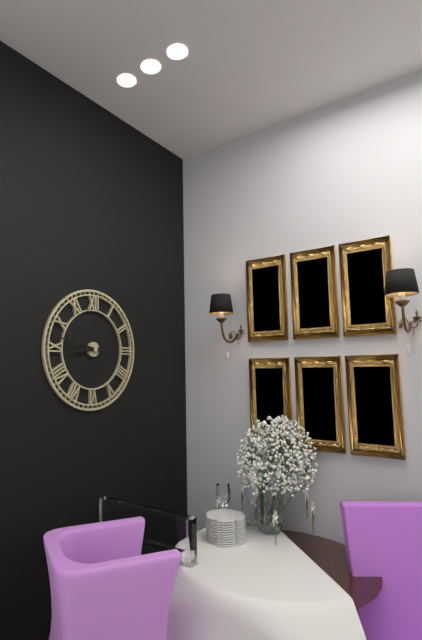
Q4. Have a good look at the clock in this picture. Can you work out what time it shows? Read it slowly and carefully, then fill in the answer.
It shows 8:47
